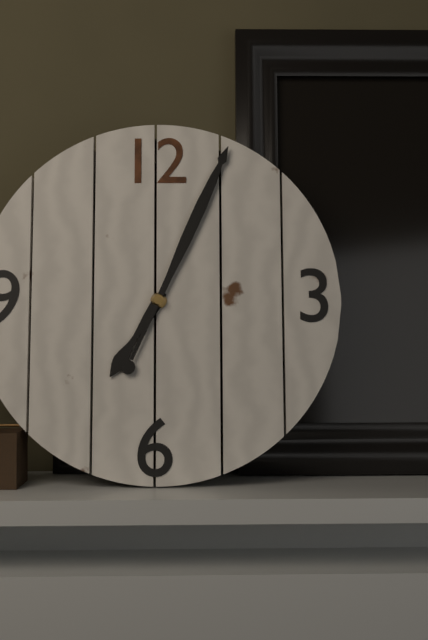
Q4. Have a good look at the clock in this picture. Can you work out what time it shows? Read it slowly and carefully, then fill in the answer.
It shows 7:04
